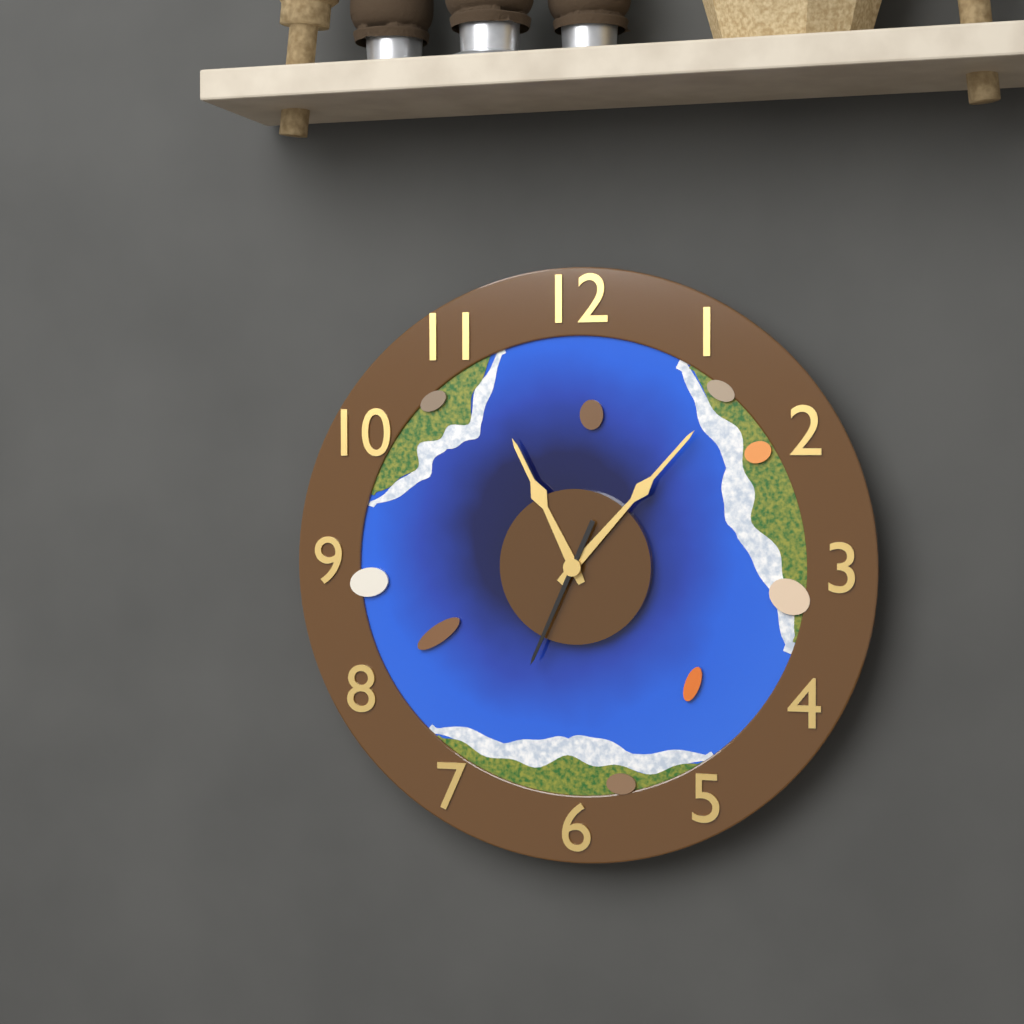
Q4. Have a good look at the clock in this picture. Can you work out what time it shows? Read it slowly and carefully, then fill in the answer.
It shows 11:07:34
